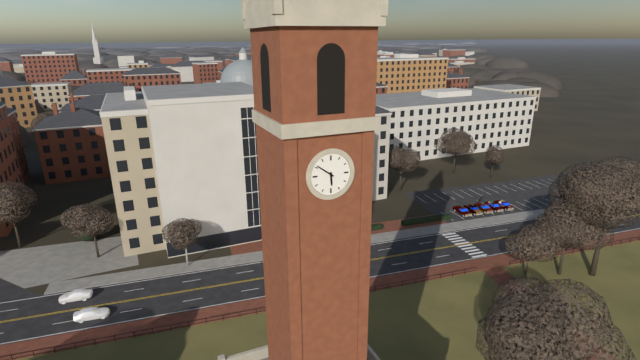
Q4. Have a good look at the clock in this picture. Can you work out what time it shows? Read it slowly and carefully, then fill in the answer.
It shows 5:51
